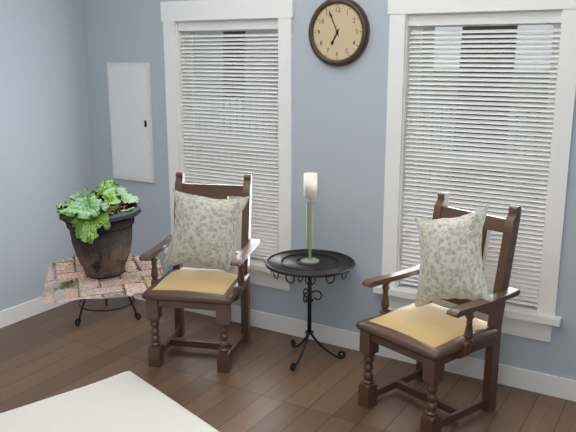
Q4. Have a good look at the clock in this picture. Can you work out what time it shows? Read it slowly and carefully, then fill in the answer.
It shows 6:56
